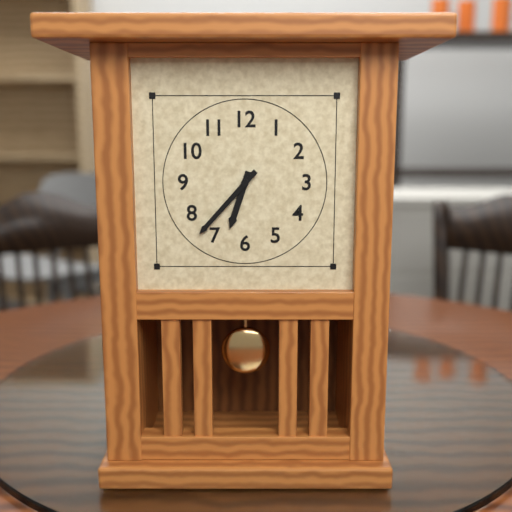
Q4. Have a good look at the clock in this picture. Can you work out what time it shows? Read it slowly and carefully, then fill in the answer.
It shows 6:37
